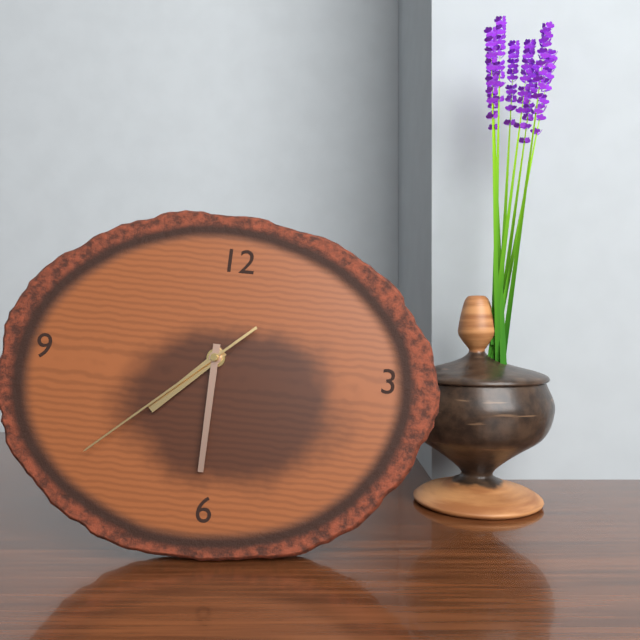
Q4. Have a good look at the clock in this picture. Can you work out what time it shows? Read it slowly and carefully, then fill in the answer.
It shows 7:30:38
